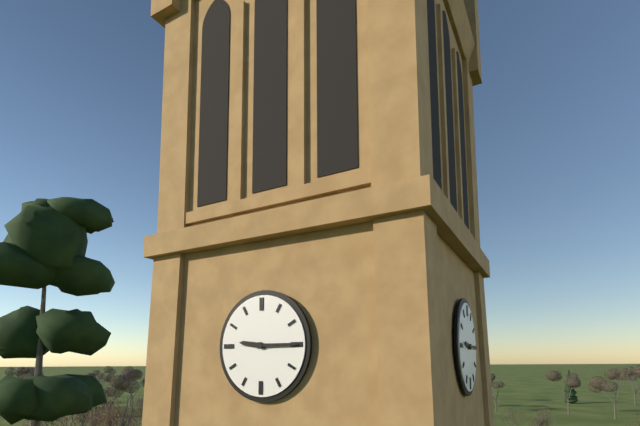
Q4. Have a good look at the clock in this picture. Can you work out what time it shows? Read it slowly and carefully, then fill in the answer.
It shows 9:15
